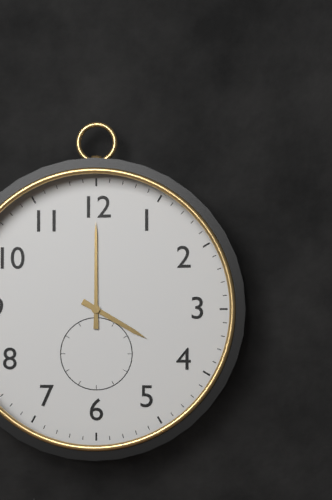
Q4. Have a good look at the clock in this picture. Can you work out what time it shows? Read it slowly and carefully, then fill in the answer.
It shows 4:00
